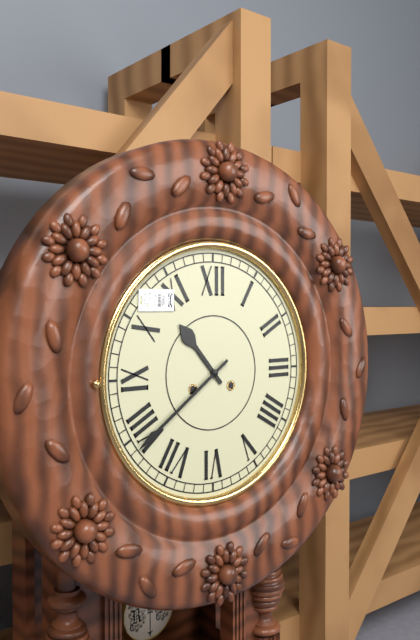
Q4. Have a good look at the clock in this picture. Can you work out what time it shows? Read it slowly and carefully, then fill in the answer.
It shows 10:39
